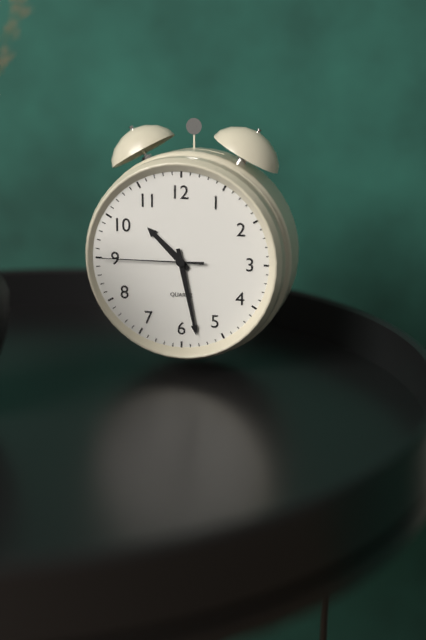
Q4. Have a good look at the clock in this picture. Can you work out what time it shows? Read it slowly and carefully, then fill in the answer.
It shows 10:28:45
